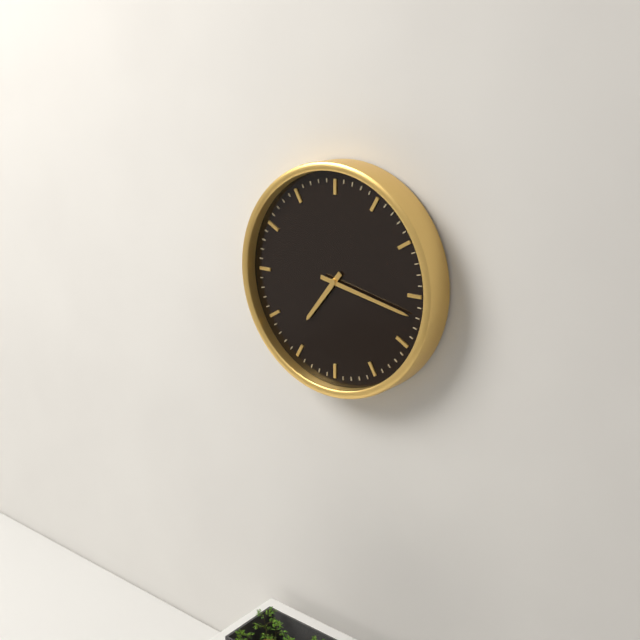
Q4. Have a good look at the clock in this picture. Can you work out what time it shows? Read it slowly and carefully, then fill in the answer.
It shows 7:17
